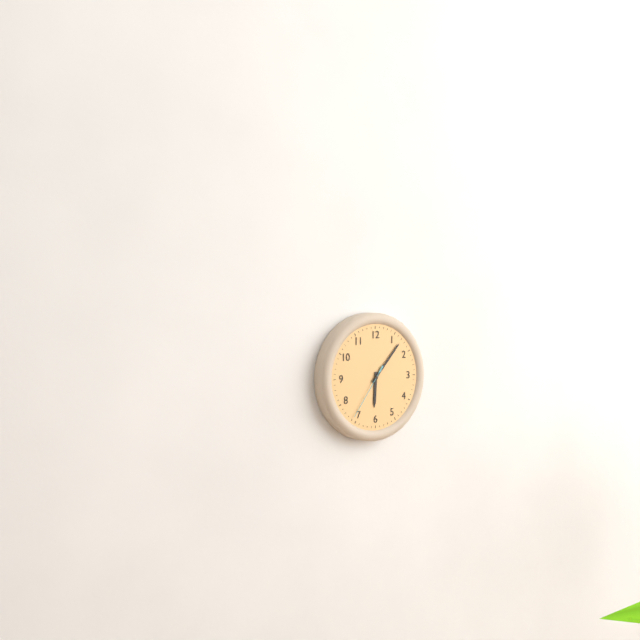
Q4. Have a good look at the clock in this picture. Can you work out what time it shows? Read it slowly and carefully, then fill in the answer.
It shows 6:07:36
